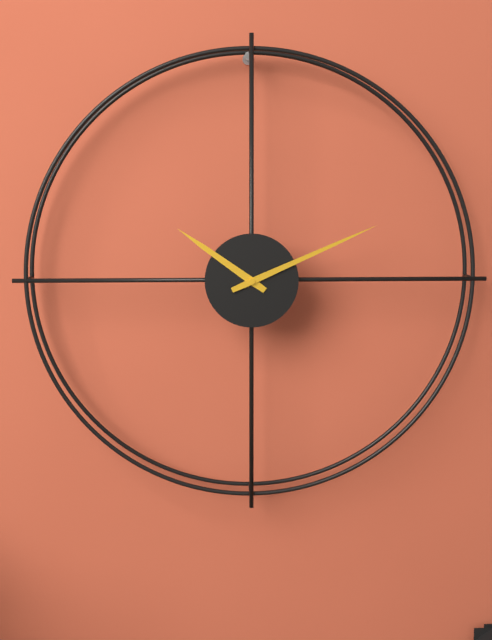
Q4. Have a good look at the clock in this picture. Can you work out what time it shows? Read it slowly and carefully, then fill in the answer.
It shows 10:11
